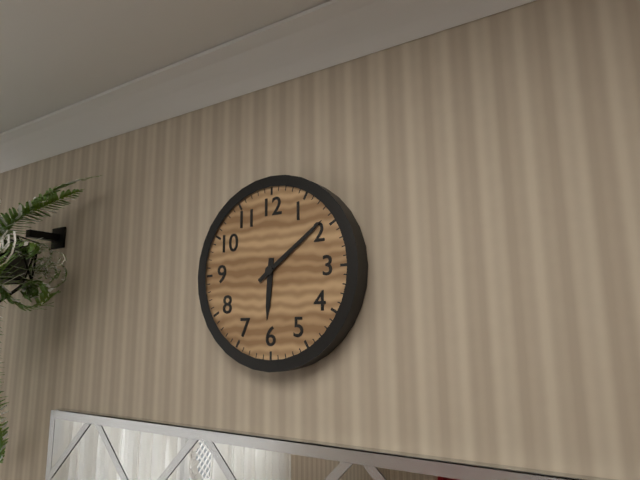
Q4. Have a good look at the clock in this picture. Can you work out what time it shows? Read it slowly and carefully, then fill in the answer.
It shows 6:09
